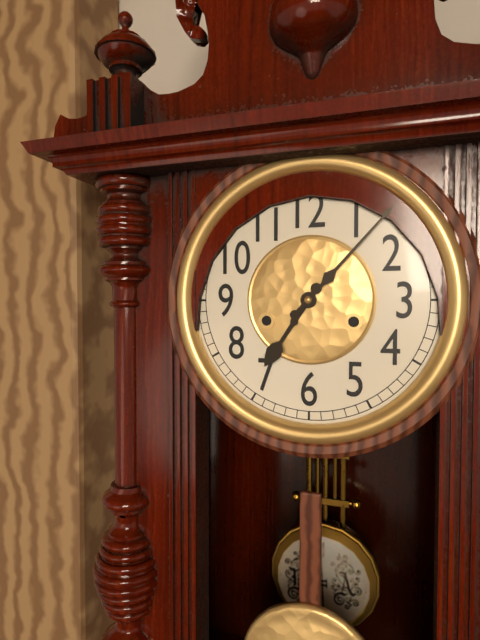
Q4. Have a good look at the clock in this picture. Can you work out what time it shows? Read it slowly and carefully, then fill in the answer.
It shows 7:07
